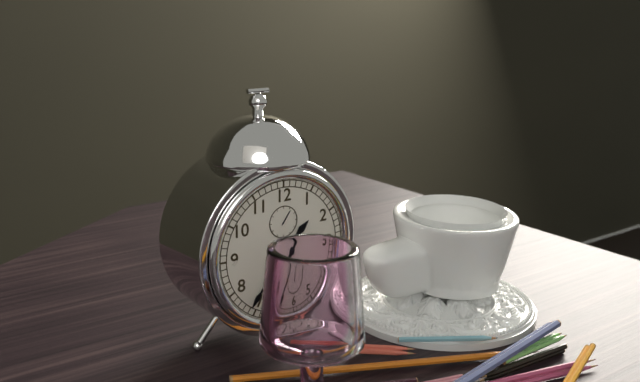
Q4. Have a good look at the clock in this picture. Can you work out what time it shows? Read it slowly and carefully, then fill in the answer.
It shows 1:36
